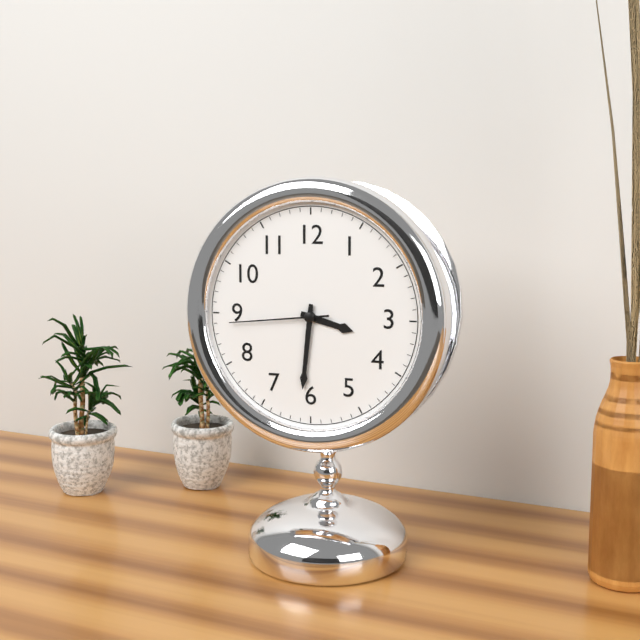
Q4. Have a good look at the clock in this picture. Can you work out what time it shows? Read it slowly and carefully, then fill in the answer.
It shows 3:31:44
